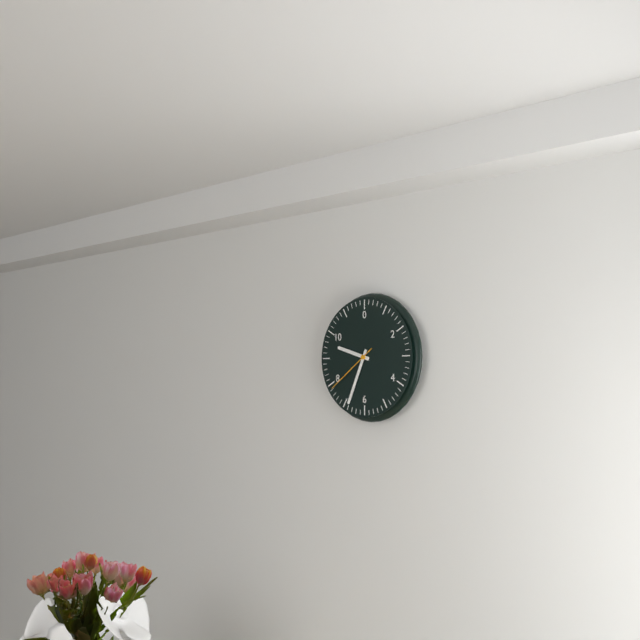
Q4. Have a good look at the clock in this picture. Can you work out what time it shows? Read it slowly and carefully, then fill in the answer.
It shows 9:34:39
